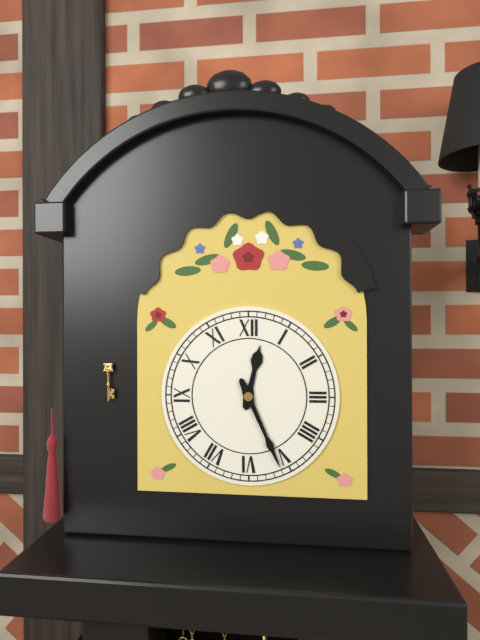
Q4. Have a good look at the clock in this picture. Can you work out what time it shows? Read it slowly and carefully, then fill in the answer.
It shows 12:26
